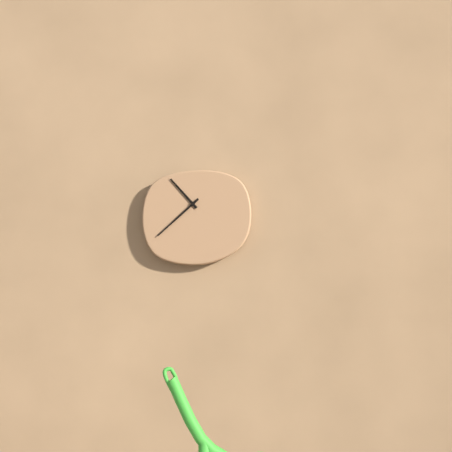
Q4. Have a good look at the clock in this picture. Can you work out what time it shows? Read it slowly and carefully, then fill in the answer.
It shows 10:38
